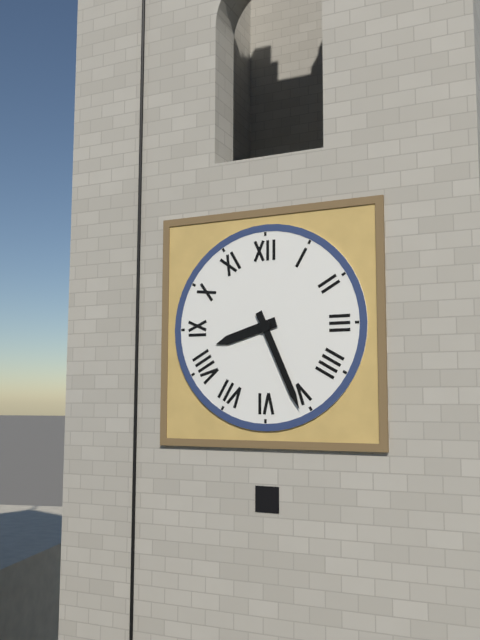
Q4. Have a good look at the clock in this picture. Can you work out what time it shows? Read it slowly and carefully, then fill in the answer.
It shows 8:26
